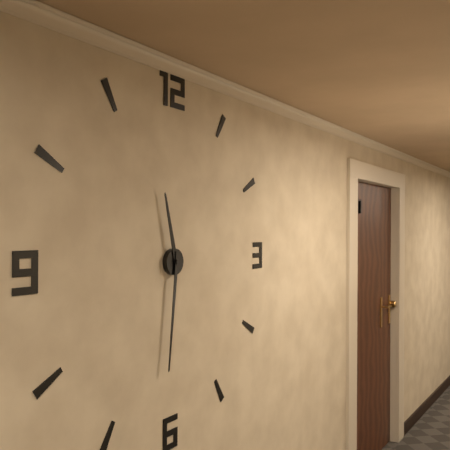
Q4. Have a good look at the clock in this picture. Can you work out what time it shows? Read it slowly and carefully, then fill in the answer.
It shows 11:31
